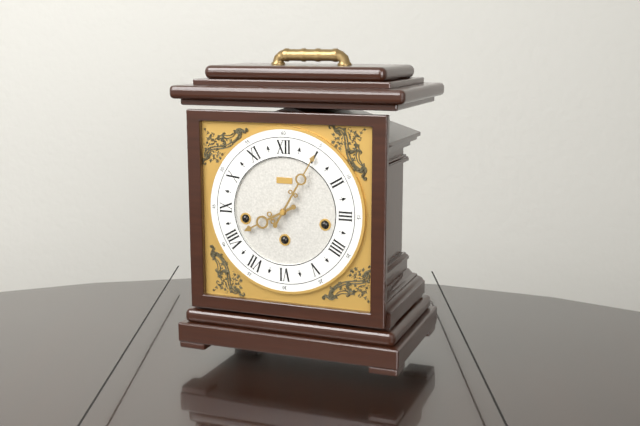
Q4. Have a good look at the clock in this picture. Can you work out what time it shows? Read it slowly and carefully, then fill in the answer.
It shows 8:05
